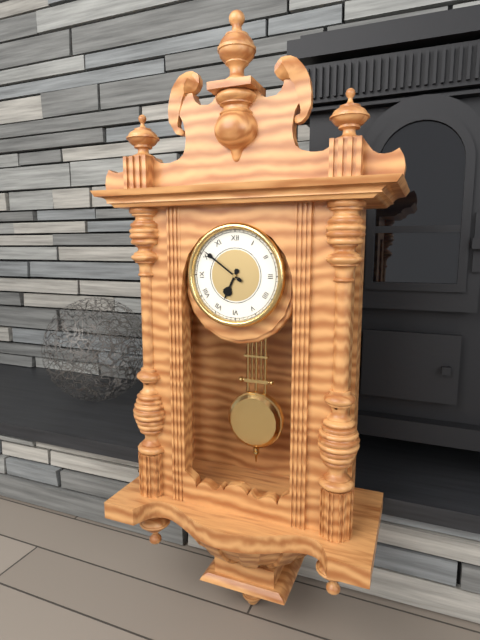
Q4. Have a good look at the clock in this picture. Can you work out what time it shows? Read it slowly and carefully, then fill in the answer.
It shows 6:51
